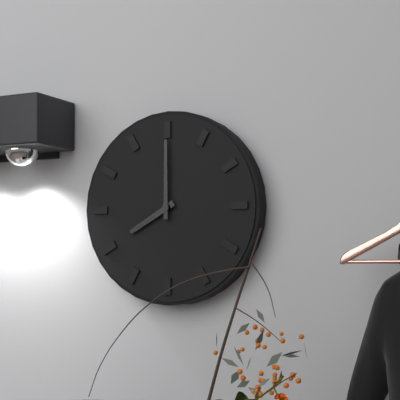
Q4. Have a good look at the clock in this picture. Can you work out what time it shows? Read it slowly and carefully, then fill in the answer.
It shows 8:00
